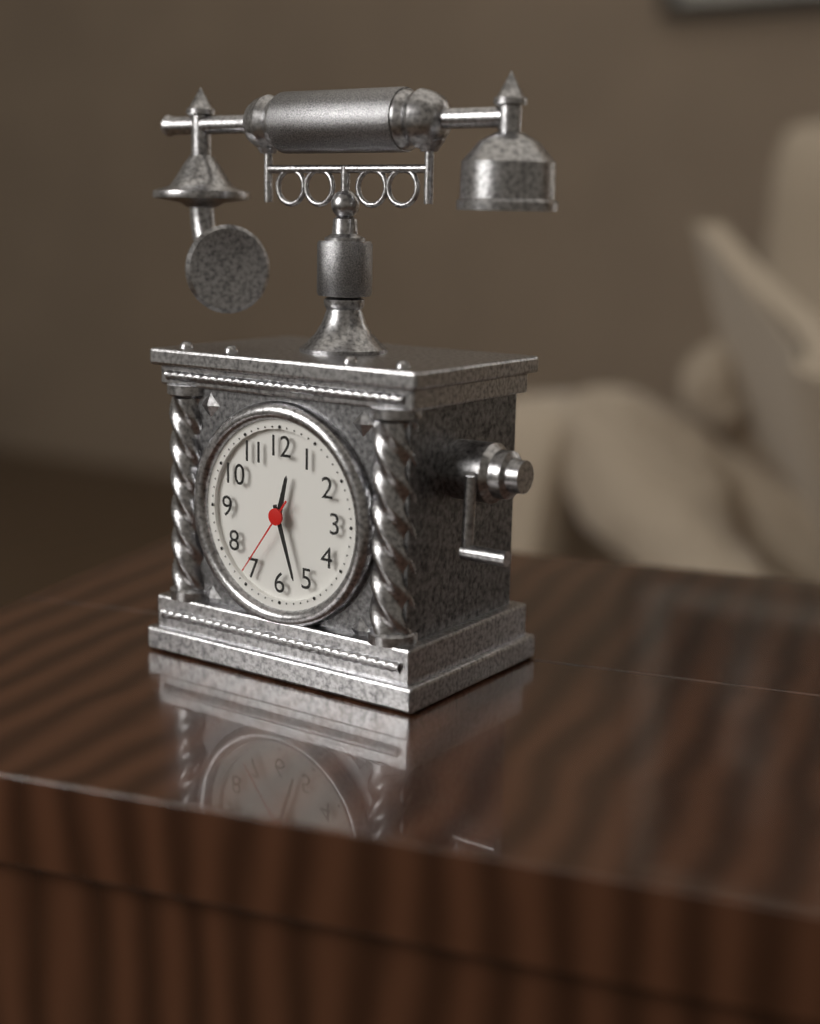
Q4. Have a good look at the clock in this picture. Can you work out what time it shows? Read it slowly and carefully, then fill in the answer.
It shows 12:27:36
